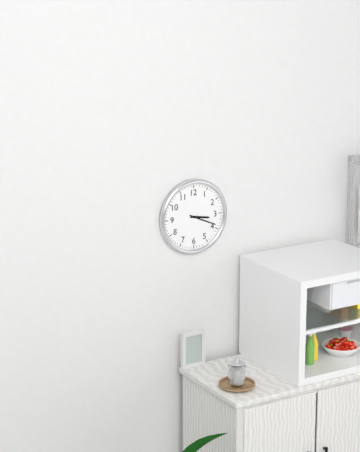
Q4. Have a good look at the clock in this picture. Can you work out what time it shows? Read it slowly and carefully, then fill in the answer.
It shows 3:19
